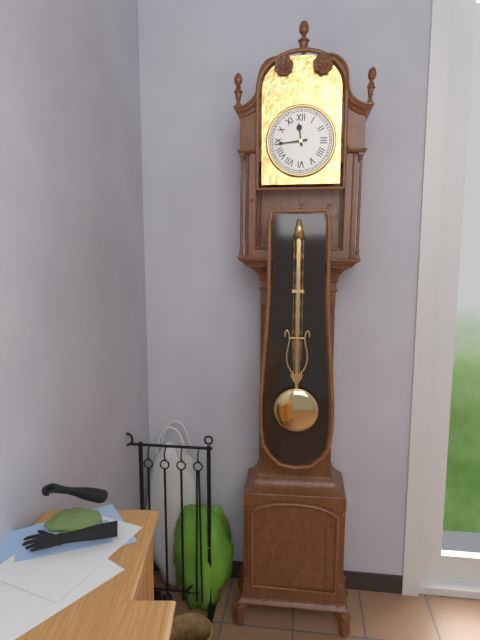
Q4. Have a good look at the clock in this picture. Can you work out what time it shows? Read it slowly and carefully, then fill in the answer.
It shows 11:44
